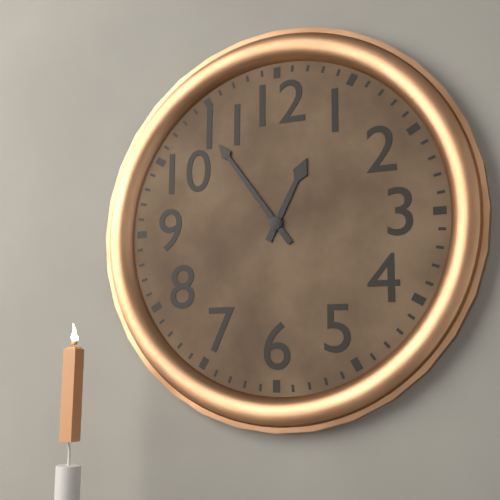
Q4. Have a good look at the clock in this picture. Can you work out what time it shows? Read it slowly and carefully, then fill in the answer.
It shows 12:54
